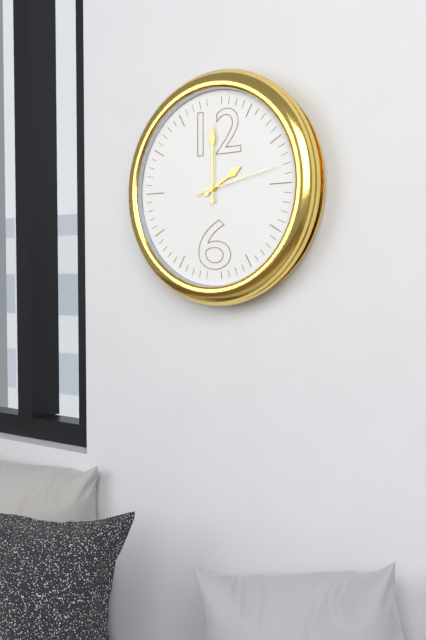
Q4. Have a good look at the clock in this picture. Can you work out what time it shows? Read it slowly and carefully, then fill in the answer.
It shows 2:00:13
